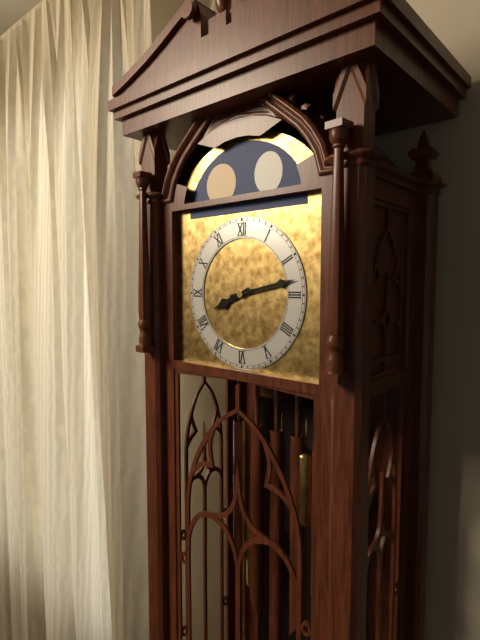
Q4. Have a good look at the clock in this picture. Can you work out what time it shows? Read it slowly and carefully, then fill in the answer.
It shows 8:13
